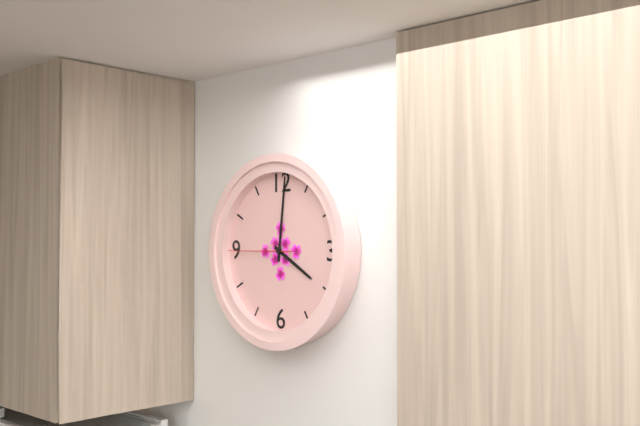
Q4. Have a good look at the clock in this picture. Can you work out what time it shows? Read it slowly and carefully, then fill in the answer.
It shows 4:01:45
